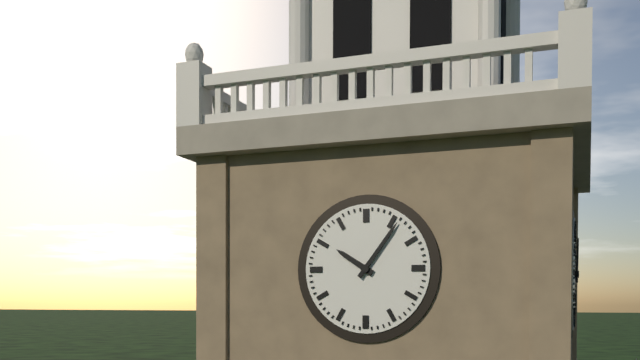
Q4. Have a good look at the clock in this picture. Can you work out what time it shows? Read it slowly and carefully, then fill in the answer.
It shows 10:06
